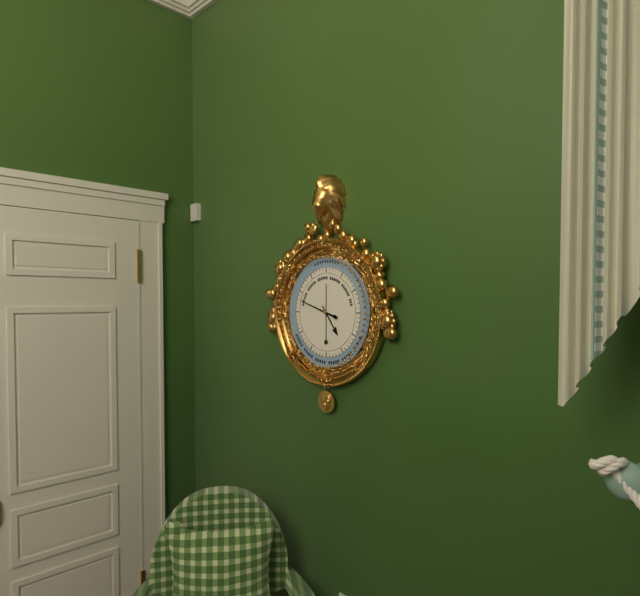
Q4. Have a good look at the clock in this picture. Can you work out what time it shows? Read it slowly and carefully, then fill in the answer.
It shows 4:48
